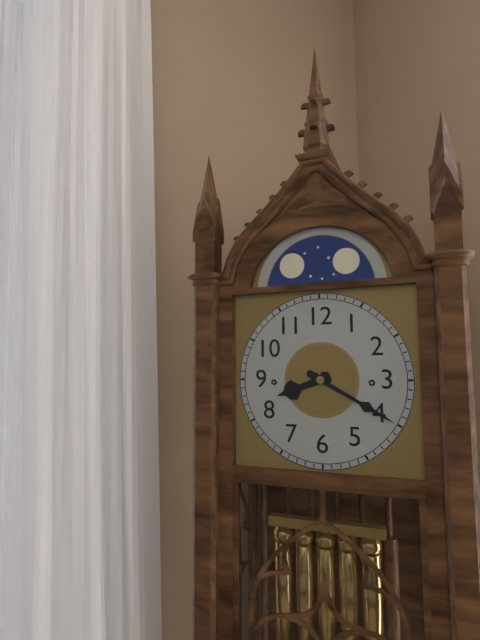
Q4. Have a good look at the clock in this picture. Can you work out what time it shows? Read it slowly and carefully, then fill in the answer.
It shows 8:20
